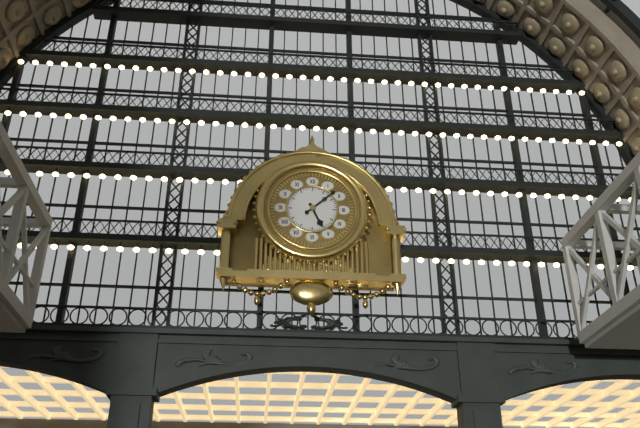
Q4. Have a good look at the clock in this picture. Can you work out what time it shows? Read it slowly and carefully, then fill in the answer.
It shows 5:08
